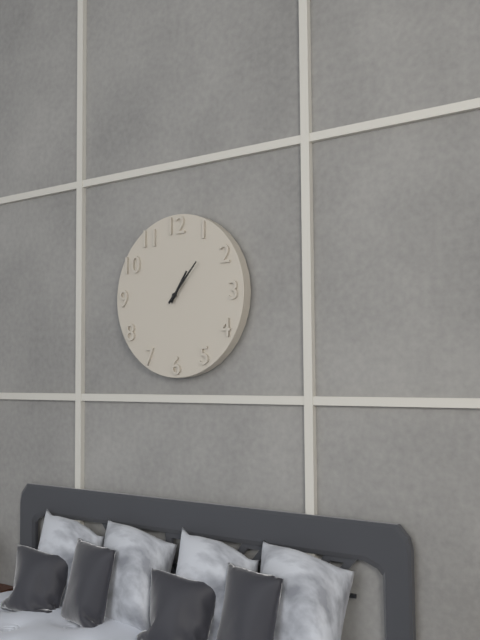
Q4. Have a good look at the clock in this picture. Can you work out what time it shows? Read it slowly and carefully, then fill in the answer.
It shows 1:07
